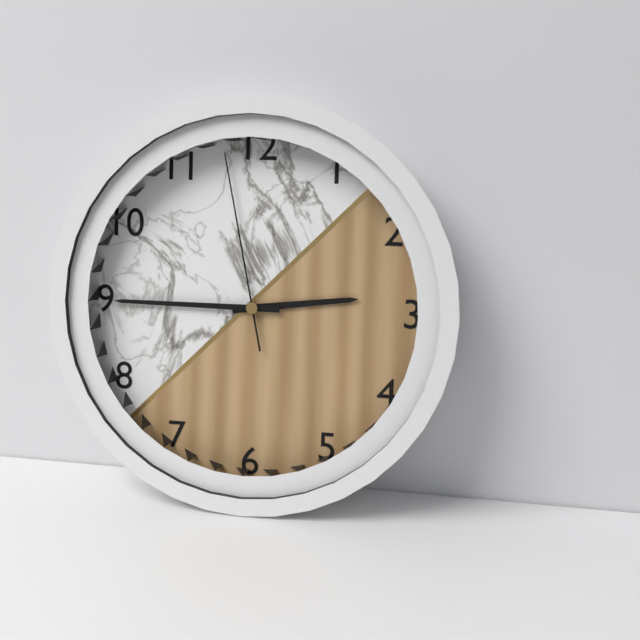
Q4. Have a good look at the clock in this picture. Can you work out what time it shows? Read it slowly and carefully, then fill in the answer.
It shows 2:45:58
